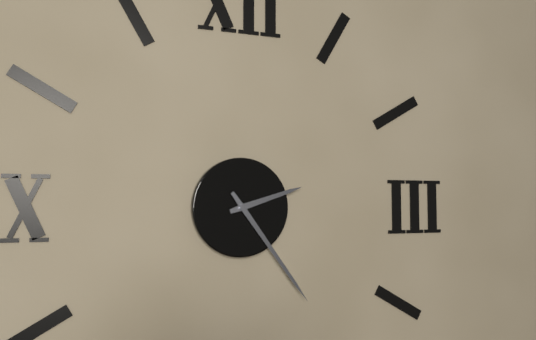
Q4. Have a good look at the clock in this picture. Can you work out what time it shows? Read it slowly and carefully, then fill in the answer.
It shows 2:24
